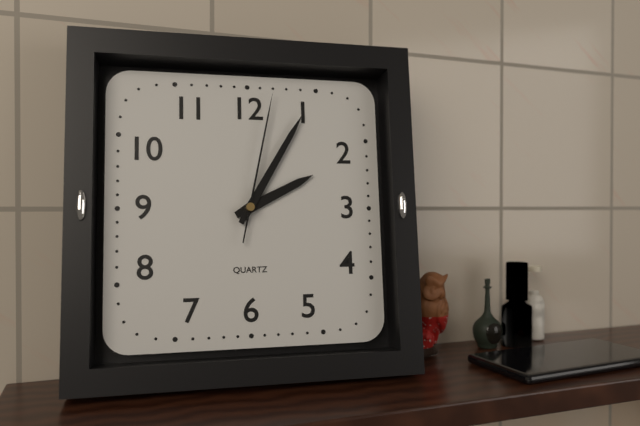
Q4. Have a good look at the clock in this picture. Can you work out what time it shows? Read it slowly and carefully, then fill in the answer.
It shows 2:05:02
